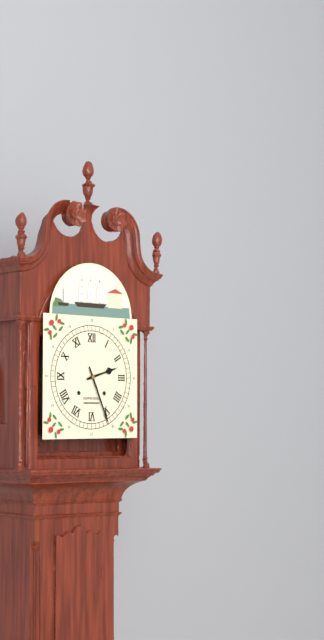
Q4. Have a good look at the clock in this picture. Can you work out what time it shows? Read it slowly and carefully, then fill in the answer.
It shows 2:26
